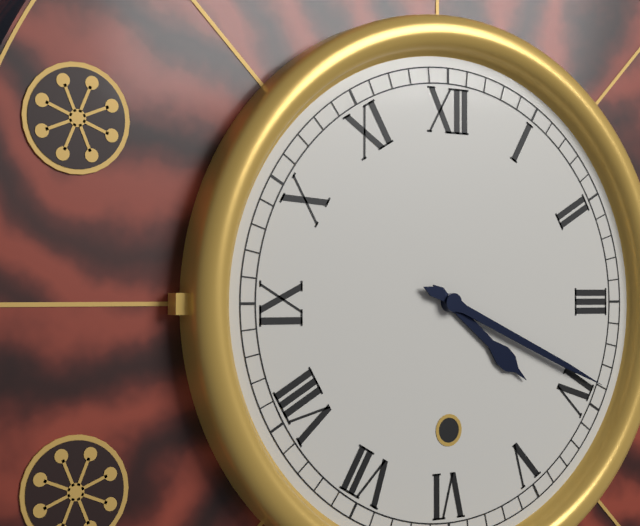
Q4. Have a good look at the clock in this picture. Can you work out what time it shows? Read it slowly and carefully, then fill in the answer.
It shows 4:19
